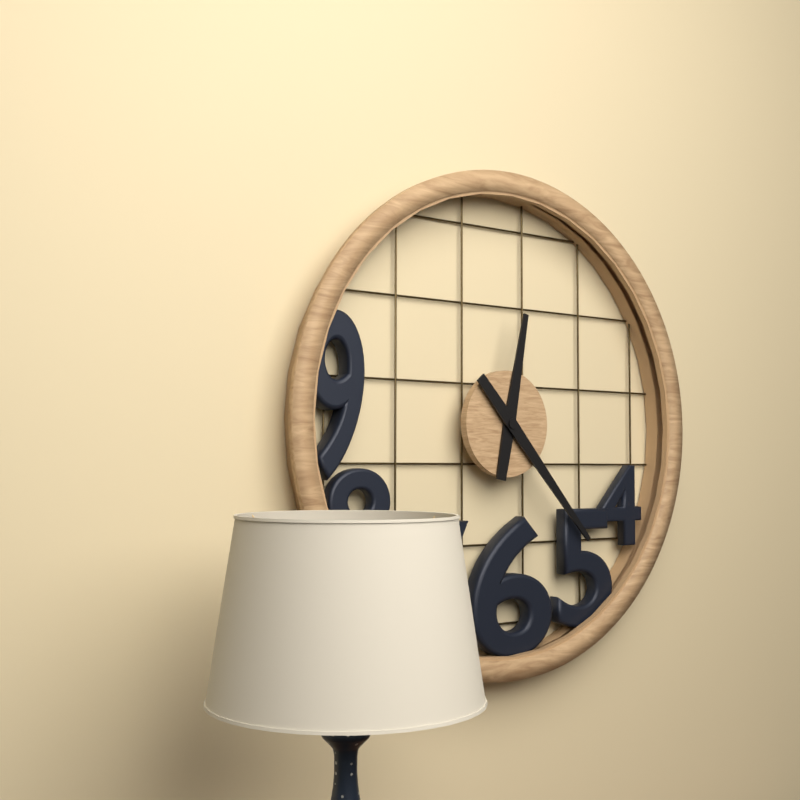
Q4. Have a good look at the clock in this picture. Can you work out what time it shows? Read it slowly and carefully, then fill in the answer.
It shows 12:23
